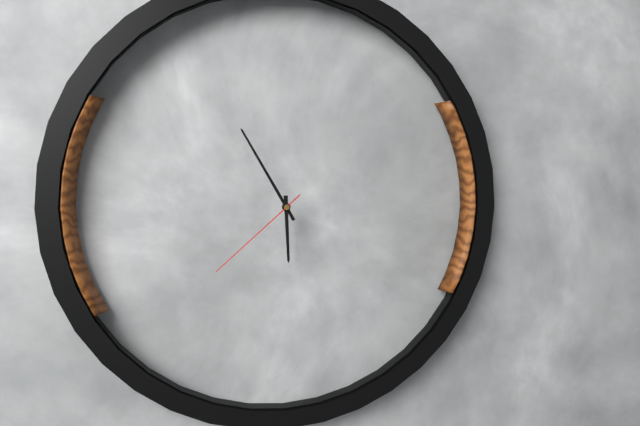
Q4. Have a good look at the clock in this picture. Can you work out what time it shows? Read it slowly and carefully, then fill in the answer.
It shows 5:55:38
